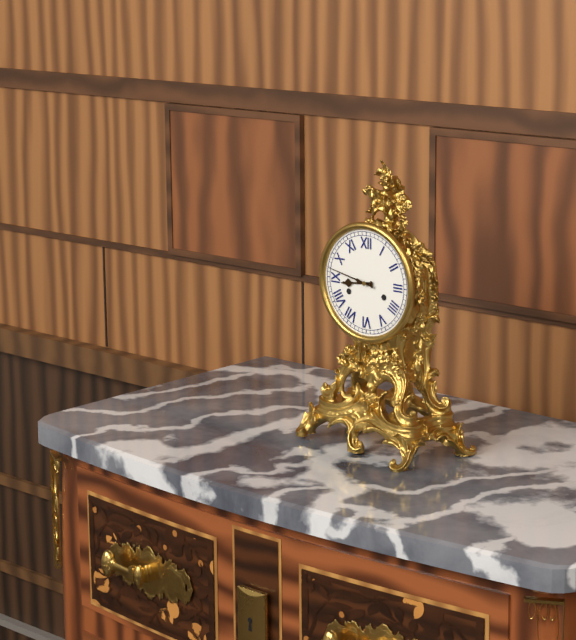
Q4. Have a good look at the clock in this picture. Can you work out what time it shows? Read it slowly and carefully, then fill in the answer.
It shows 8:47
